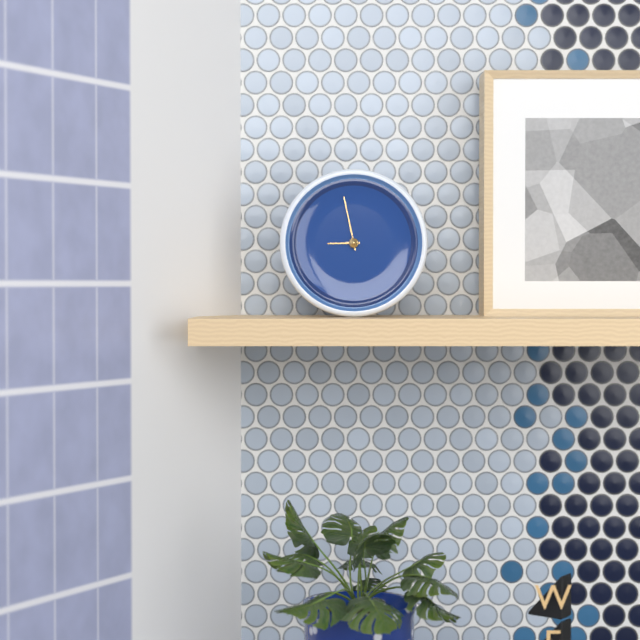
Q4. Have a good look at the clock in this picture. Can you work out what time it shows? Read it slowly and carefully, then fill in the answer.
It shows 8:58
